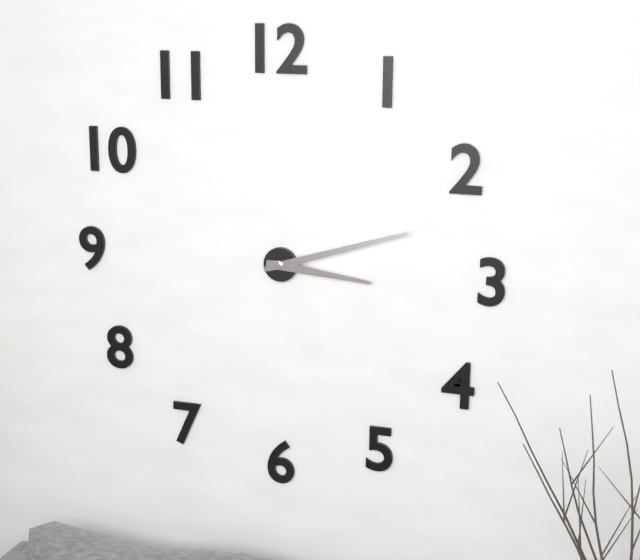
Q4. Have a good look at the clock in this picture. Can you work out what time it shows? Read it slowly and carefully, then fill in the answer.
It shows 3:12
